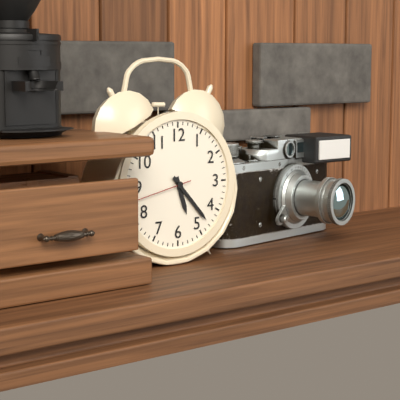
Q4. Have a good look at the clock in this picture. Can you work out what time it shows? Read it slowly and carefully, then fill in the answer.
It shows 5:23:43
